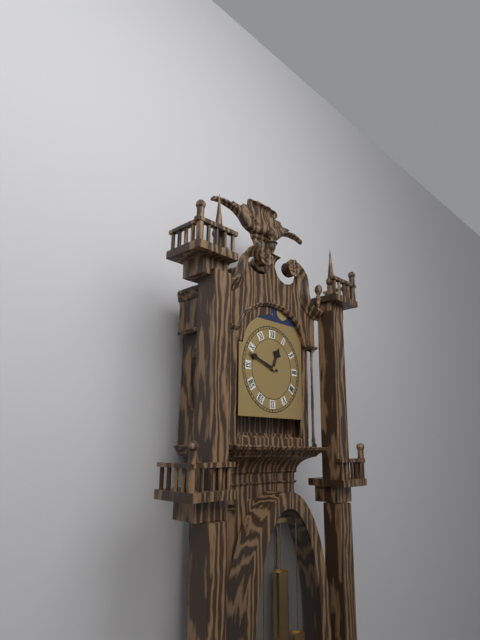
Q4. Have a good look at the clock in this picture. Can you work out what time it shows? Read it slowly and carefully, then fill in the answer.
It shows 12:48
